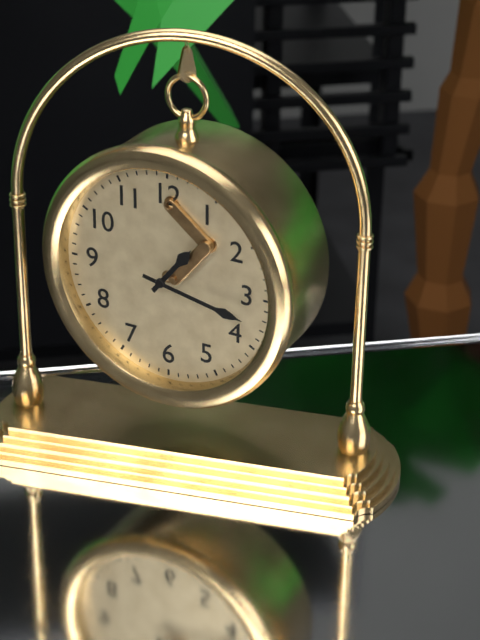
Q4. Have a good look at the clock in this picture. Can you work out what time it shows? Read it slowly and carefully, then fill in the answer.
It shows 1:17
